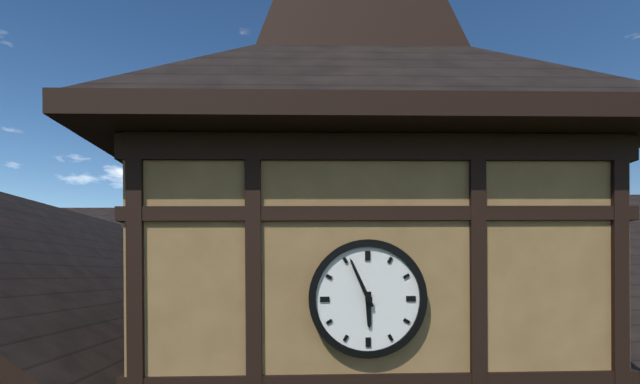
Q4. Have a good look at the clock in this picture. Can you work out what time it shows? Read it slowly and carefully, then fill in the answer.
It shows 5:56
